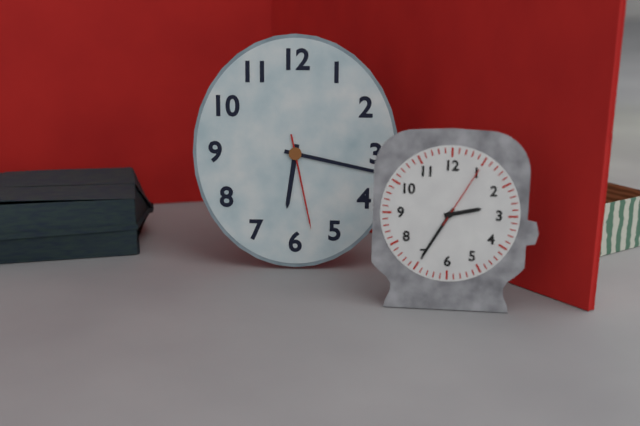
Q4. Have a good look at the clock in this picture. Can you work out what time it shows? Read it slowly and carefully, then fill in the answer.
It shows 6:17:28
